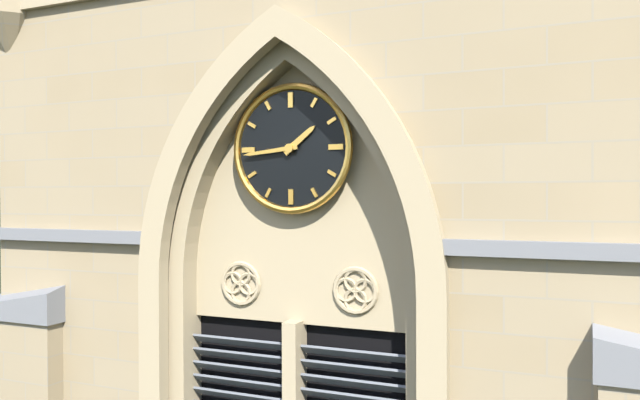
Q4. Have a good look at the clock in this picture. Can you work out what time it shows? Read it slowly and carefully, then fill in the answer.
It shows 1:44
